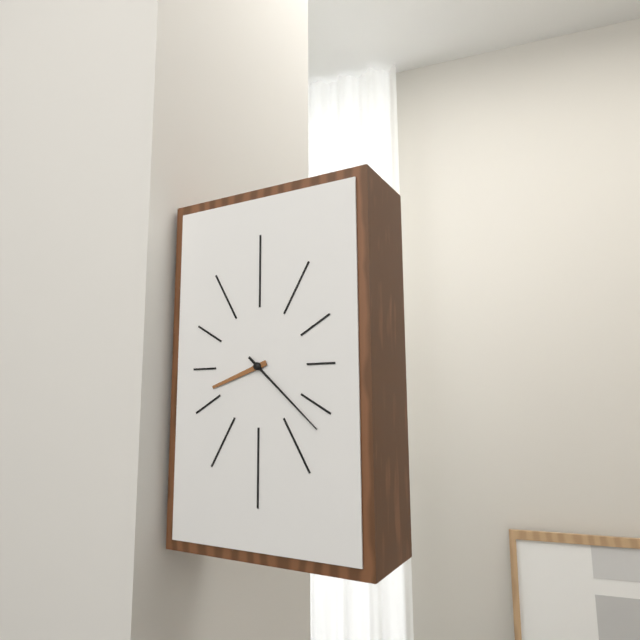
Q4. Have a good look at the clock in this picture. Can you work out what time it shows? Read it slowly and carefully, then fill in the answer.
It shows 8:22
